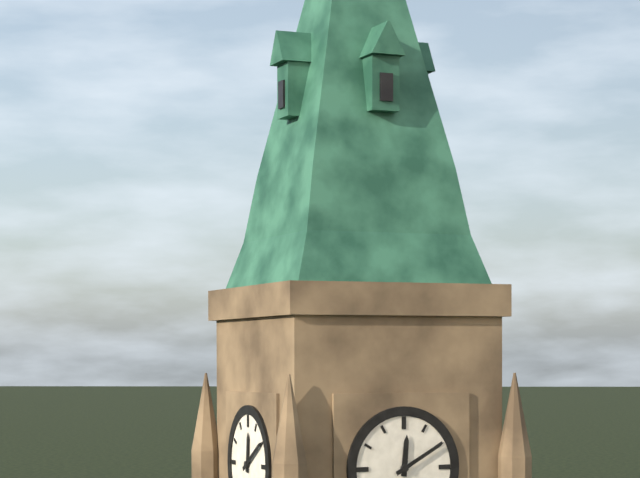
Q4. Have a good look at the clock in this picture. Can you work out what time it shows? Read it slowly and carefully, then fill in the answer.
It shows 12:10
